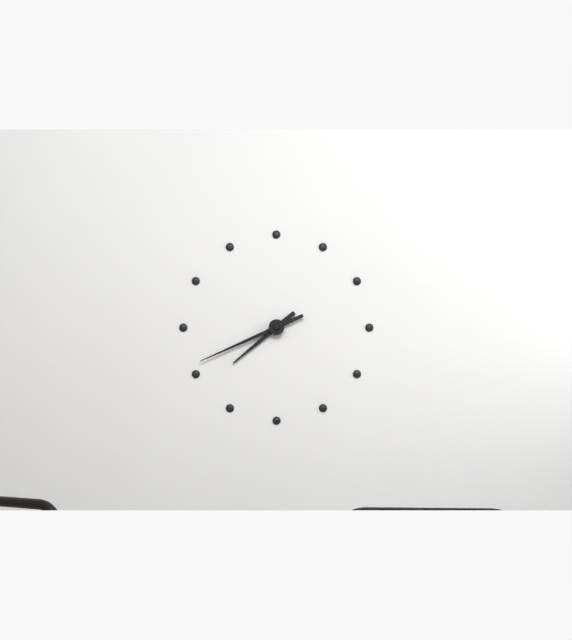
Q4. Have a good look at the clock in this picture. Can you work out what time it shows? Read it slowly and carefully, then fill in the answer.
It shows 7:41
